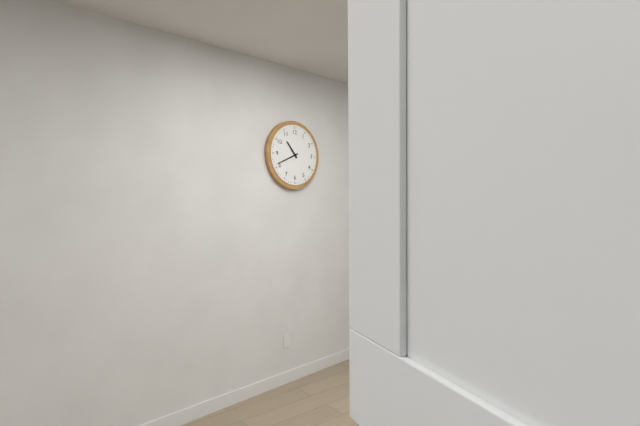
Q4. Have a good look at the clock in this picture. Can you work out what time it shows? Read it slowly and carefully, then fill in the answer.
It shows 10:41
